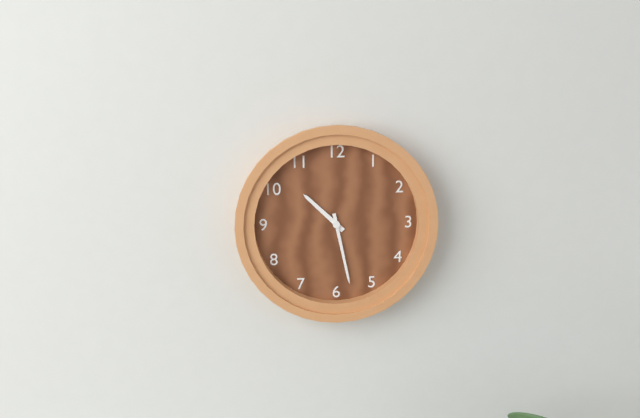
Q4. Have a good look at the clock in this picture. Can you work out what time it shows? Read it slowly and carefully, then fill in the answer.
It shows 10:28
